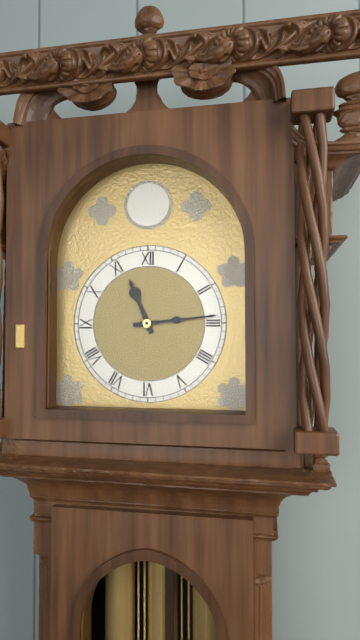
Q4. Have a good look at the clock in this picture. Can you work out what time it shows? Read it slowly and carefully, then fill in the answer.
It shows 11:14
